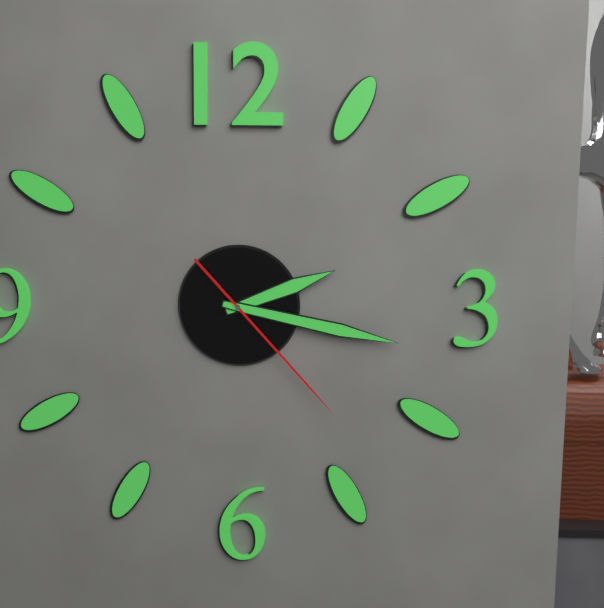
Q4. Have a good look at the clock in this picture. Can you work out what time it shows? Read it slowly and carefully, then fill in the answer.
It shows 2:17:23
